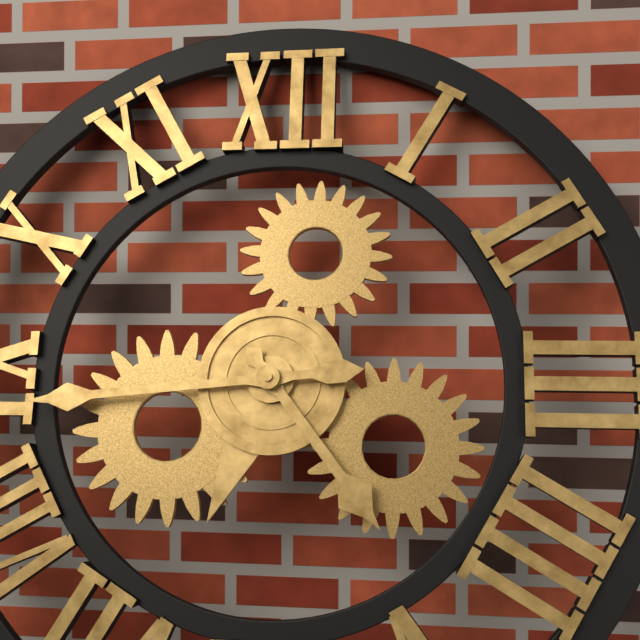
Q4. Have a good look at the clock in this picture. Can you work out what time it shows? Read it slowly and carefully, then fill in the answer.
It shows 4:44
